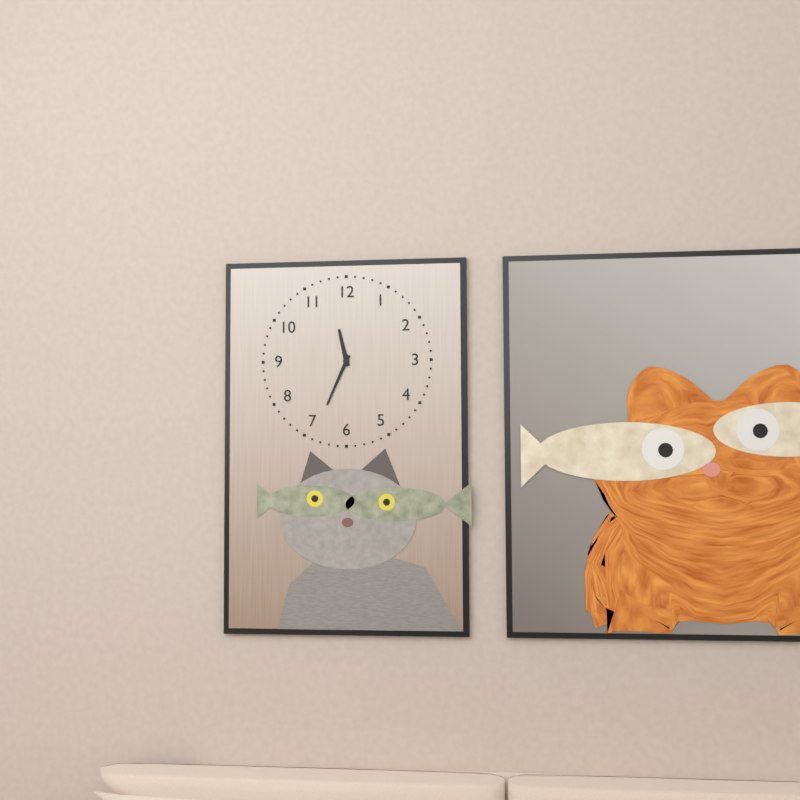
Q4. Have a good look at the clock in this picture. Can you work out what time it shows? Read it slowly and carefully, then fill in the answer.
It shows 11:34
